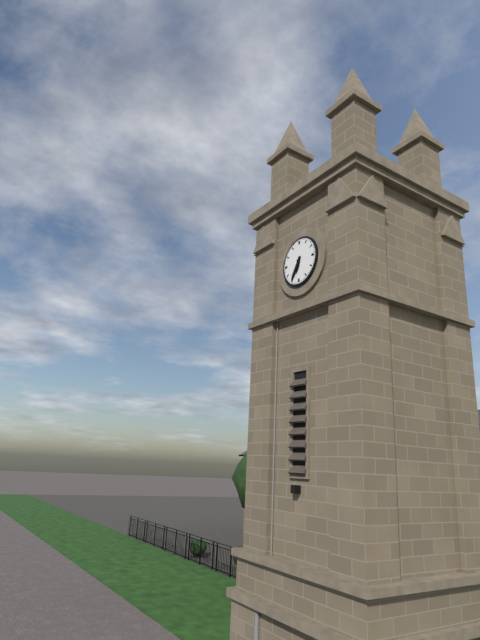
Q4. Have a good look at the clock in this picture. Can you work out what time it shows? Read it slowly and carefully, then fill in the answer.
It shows 6:35
